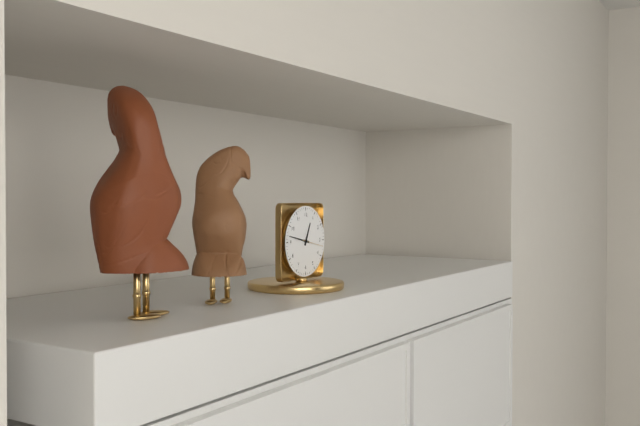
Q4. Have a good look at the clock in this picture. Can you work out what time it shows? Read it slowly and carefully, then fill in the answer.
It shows 12:47
